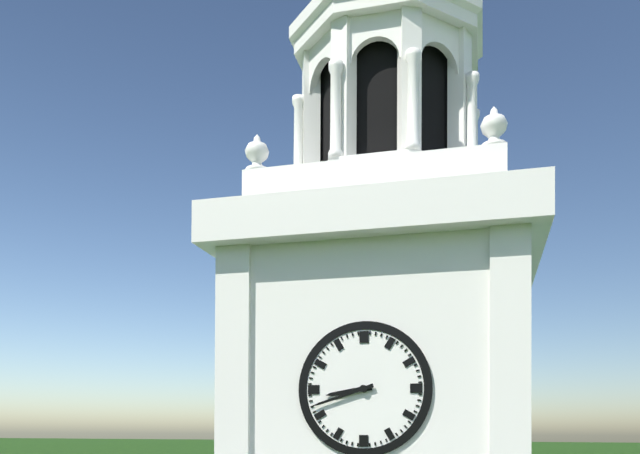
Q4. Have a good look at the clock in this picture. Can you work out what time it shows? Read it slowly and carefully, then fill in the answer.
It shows 8:42
